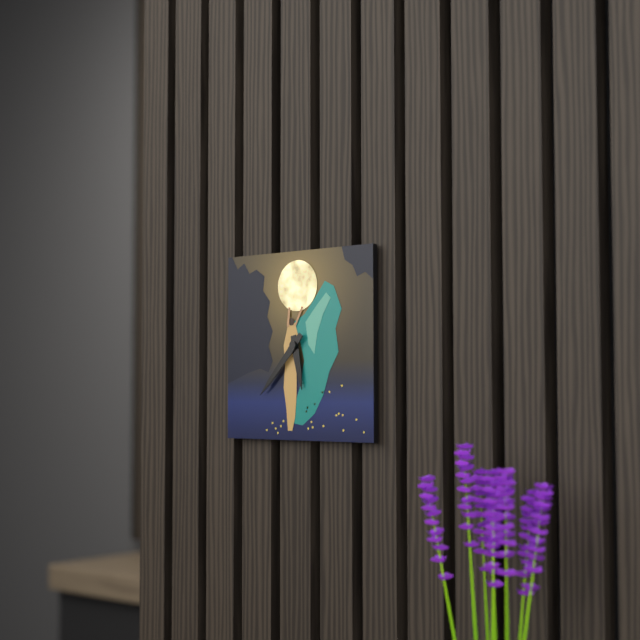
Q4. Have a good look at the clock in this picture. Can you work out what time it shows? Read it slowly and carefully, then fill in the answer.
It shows 5:37
